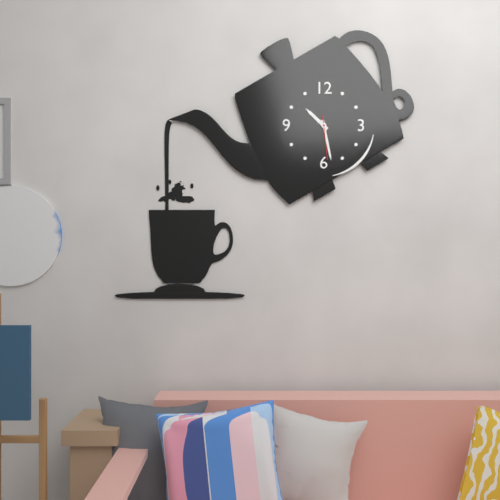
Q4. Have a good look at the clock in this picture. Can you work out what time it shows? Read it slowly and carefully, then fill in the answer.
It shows 10:28
